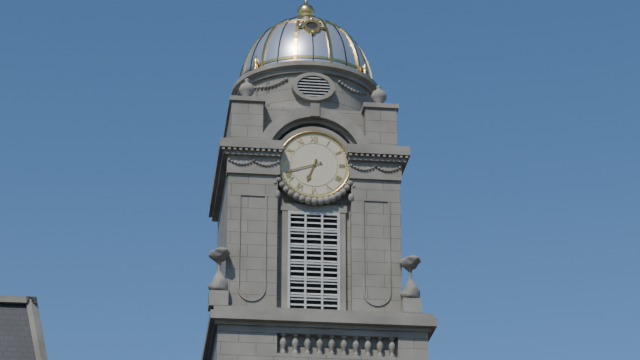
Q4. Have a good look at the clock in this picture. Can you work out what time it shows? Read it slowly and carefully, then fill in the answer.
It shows 6:42
